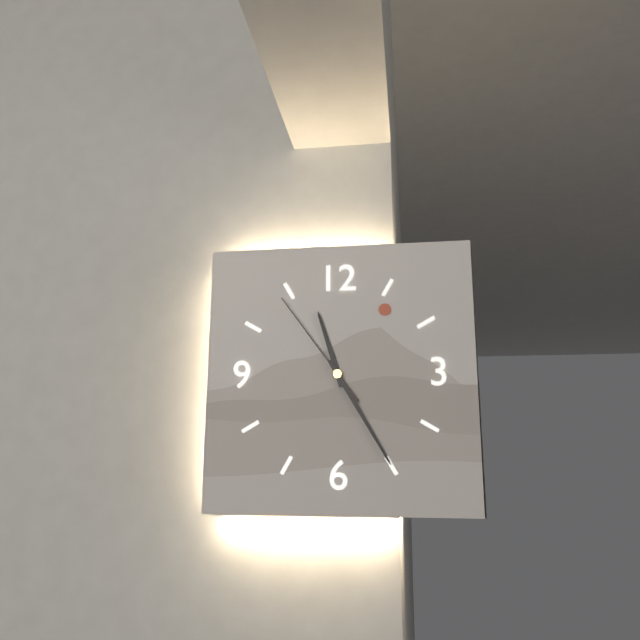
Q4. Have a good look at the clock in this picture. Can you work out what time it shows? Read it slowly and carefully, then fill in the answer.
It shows 11:25:54
